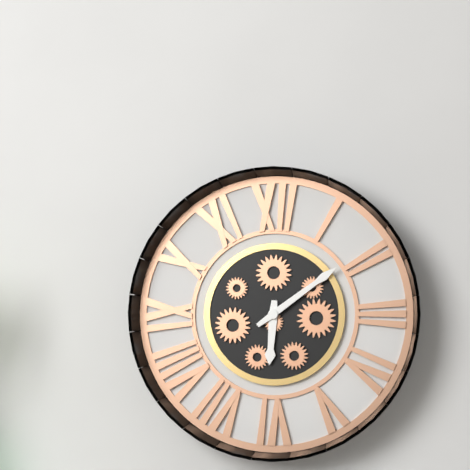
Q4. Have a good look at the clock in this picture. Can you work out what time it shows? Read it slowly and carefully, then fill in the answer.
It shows 6:09
